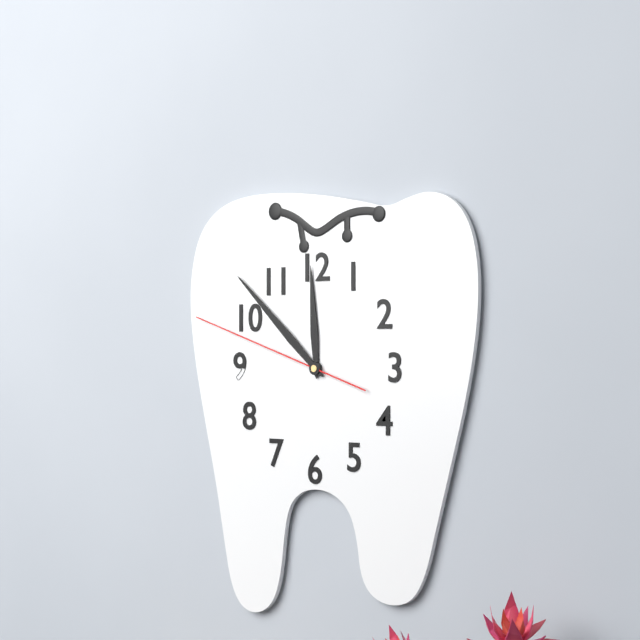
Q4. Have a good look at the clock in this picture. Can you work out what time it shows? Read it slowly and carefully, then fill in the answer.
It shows 11:52:48
